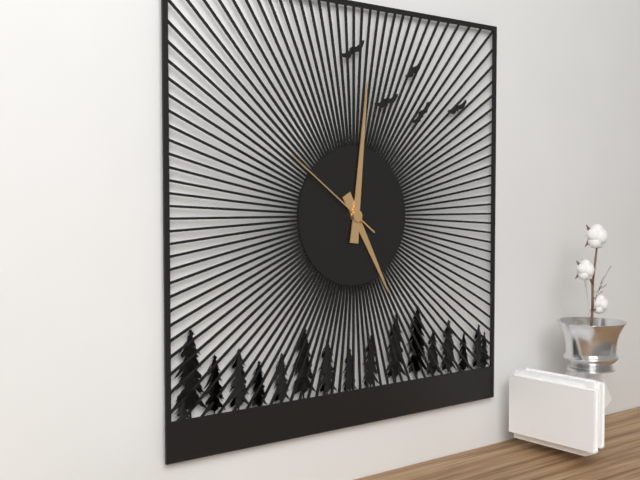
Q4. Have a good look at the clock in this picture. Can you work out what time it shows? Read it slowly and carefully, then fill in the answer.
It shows 5:01:51
